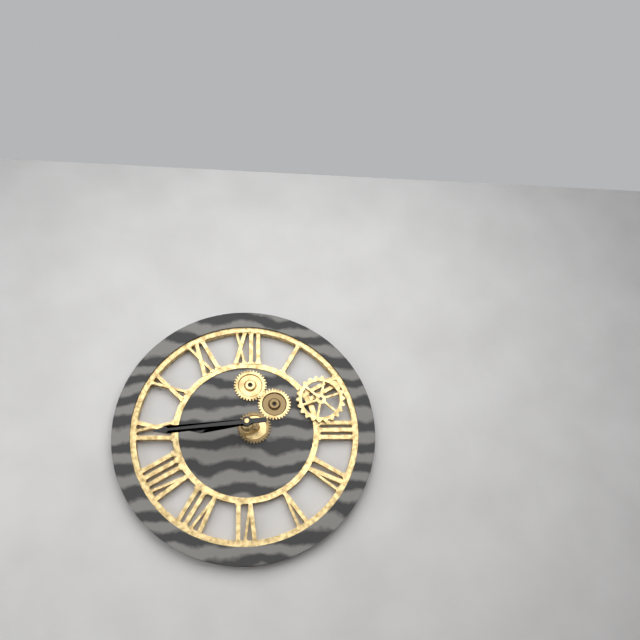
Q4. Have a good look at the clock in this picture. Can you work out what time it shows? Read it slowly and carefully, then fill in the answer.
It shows 8:44
